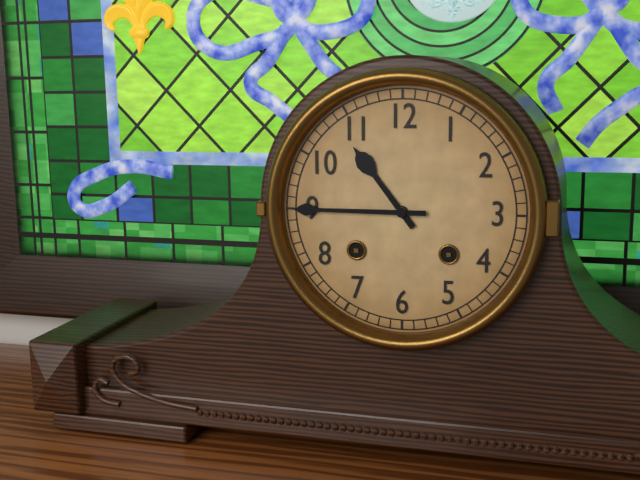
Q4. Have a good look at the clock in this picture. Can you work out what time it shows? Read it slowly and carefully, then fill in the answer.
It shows 10:45
